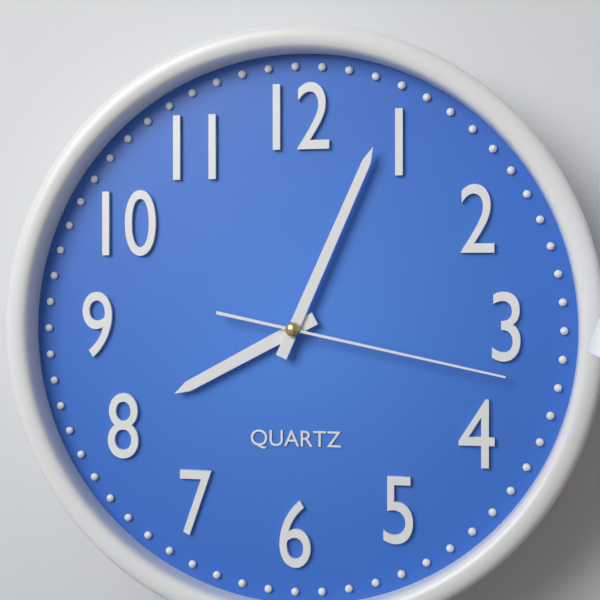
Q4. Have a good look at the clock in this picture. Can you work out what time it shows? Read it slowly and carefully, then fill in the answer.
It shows 8:04:17
